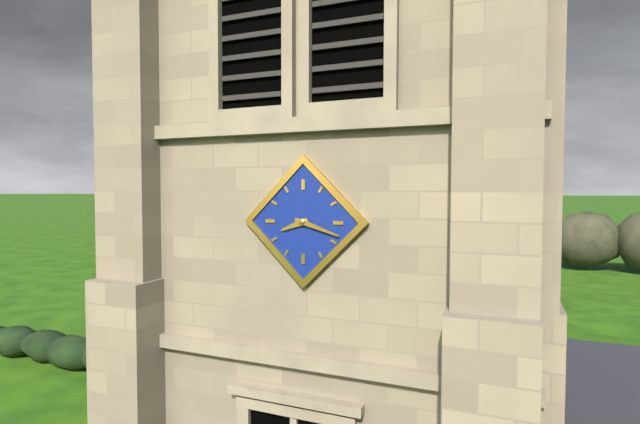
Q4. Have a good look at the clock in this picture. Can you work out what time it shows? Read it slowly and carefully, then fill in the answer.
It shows 8:18
